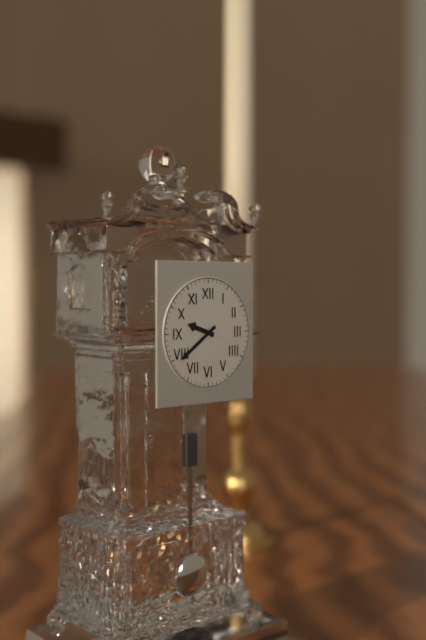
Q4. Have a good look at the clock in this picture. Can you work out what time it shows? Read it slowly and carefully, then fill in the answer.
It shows 9:39
